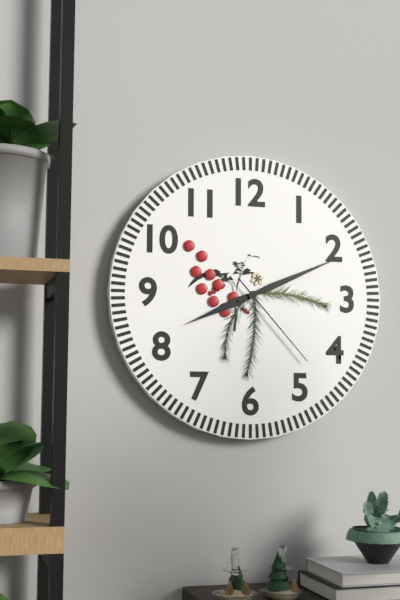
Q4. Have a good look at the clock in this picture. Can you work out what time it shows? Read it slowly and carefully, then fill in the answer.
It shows 8:11:23
